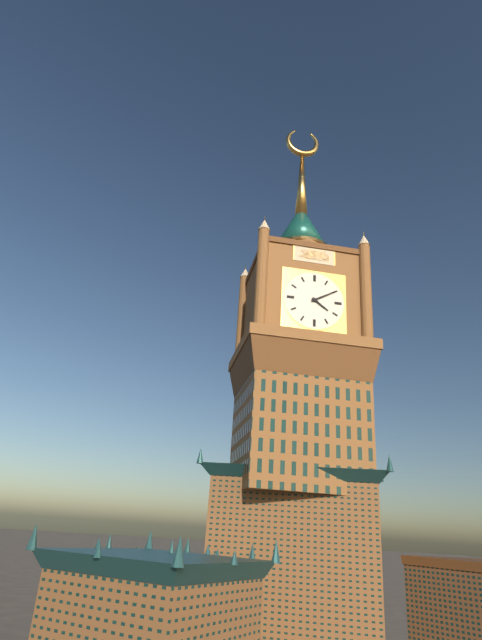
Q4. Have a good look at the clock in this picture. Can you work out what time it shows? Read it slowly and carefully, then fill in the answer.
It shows 4:10
